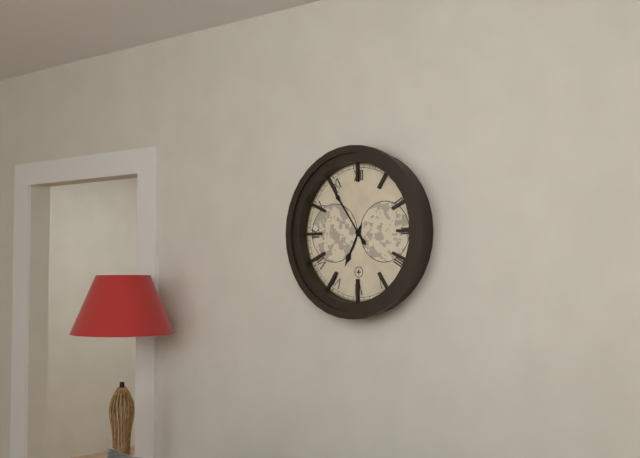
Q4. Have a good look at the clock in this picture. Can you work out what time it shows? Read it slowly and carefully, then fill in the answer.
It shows 6:54
